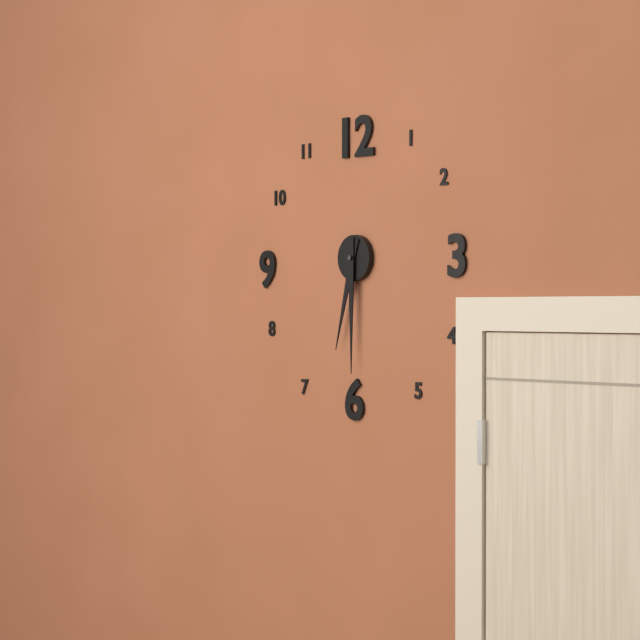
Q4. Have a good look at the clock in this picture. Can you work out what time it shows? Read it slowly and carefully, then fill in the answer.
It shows 6:30
